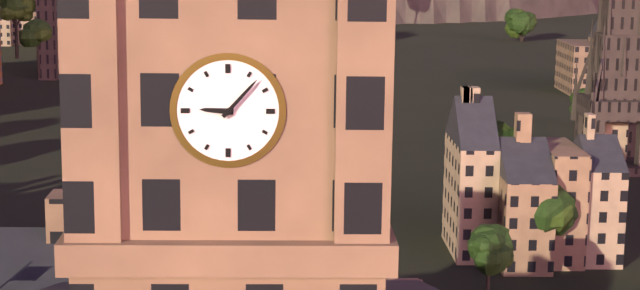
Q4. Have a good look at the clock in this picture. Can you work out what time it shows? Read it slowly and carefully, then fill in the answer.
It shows 9:07
